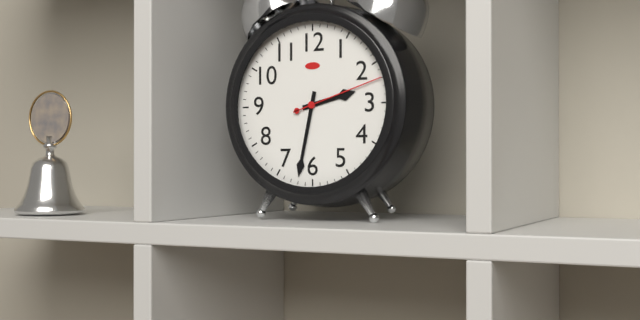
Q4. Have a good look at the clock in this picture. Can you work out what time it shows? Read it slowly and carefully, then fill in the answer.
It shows 2:32:12
